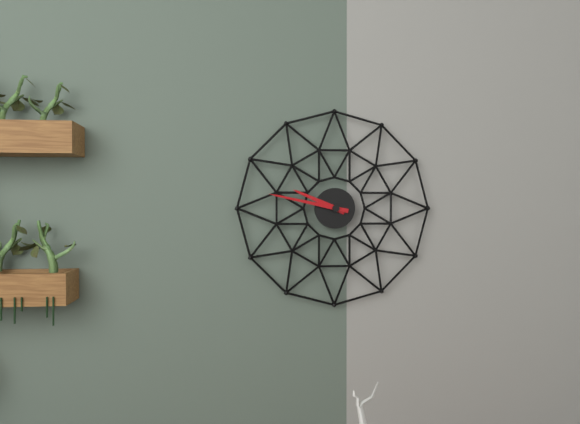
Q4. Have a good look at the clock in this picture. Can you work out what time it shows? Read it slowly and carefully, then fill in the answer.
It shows 9:47
